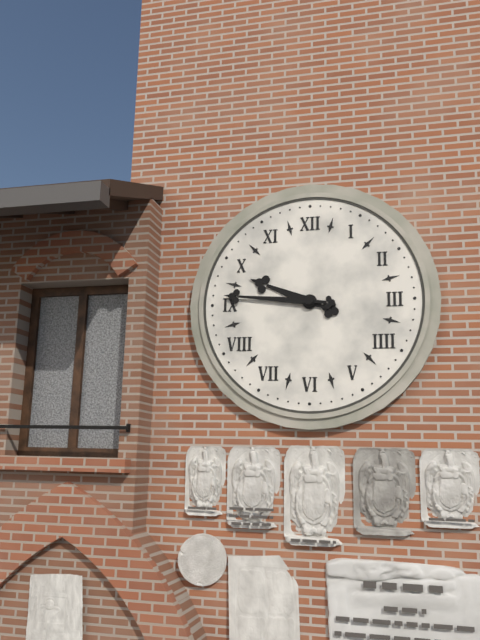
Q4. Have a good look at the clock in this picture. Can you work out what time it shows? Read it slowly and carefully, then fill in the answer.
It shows 9:46
